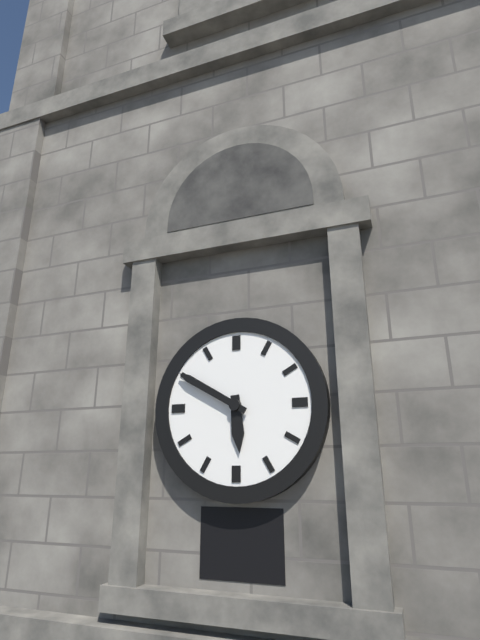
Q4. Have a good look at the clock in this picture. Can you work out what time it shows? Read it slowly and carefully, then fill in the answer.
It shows 5:50
